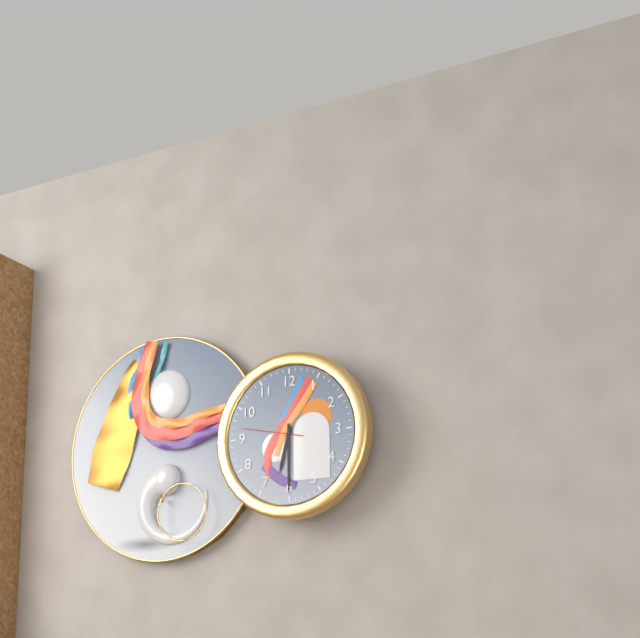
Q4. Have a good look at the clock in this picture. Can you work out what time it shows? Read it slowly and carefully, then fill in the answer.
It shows 6:30:47
